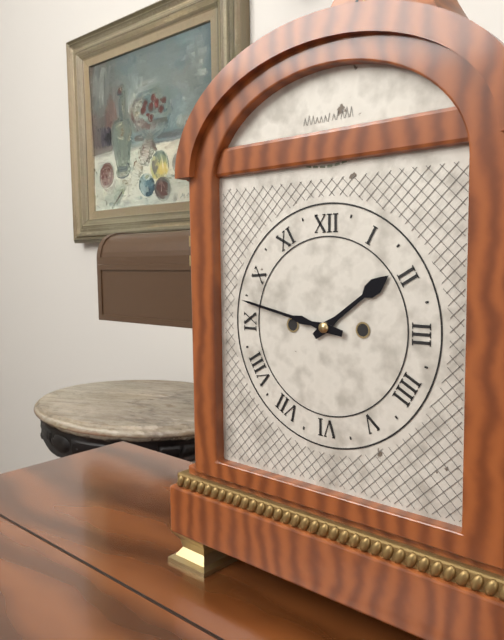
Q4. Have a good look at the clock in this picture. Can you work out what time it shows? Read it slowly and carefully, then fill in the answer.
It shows 1:47
